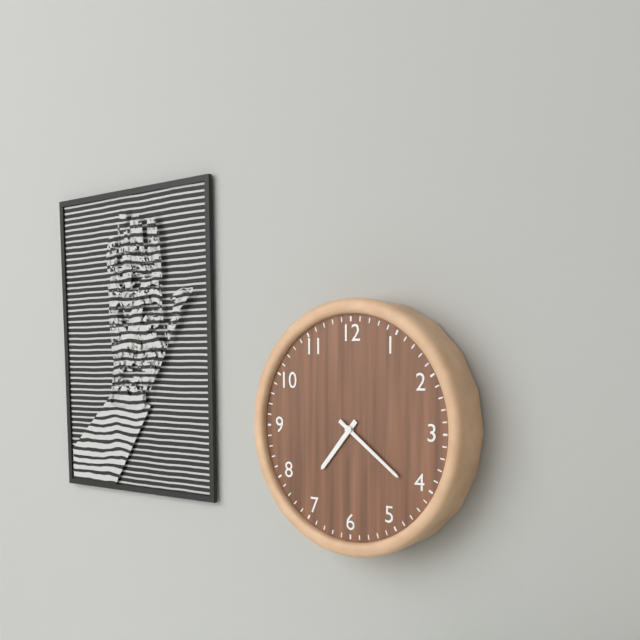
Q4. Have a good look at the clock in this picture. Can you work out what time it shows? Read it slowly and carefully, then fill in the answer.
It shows 7:21
